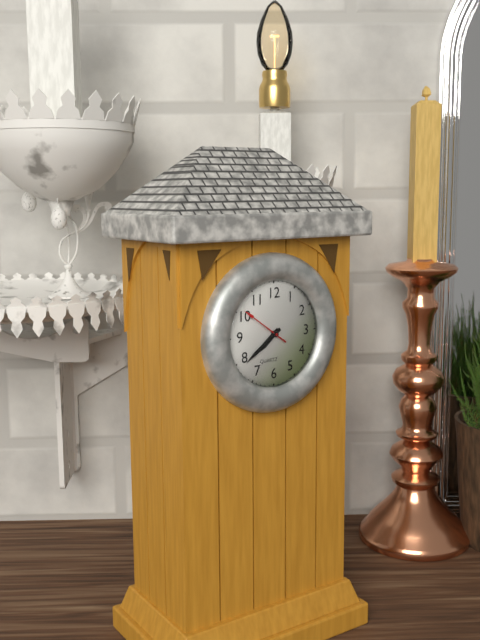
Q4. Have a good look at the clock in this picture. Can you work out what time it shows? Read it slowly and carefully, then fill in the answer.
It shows 7:39
